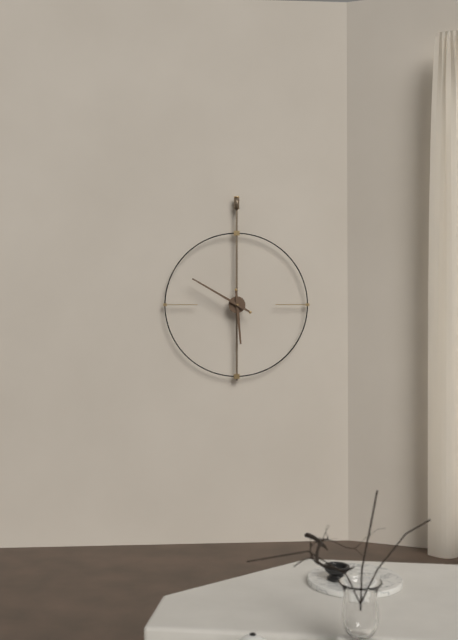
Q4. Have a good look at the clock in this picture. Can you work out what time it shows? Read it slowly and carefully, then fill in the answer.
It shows 5:50
